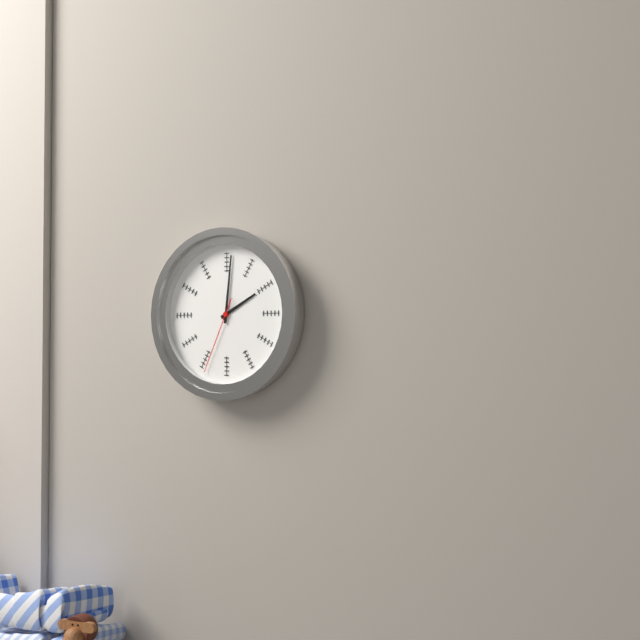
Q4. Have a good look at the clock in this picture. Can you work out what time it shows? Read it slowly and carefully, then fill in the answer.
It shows 2:01:34
